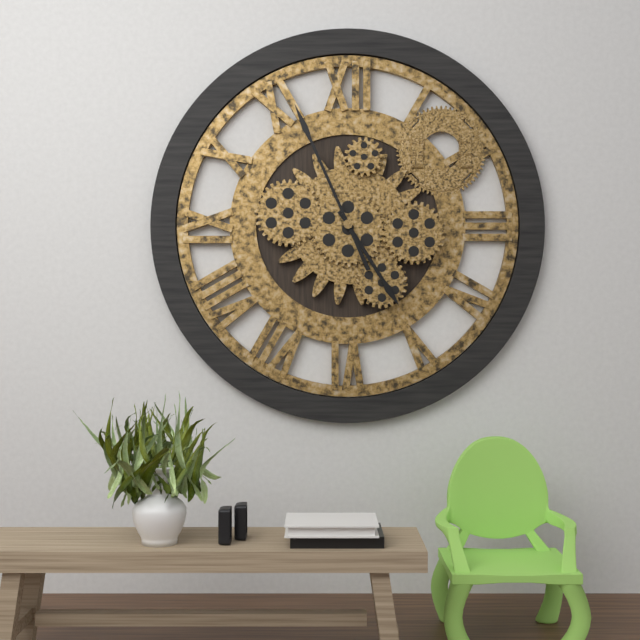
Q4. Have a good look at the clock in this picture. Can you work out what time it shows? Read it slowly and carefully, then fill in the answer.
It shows 4:56
